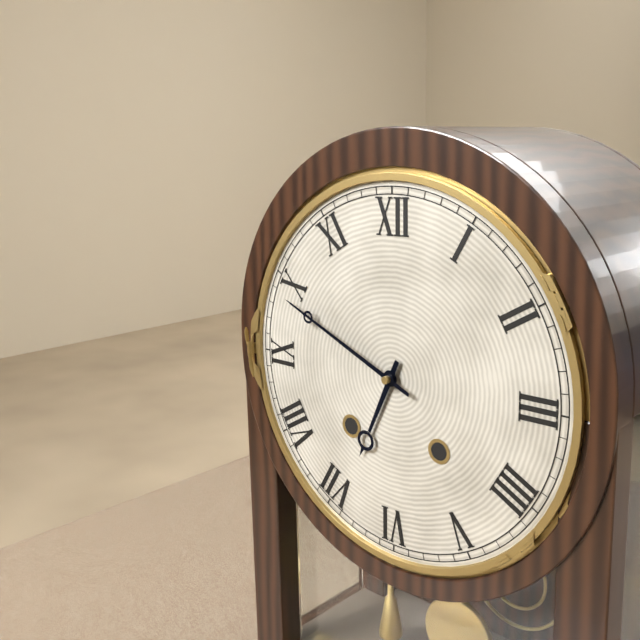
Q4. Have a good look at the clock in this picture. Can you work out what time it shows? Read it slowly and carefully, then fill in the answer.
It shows 6:49
